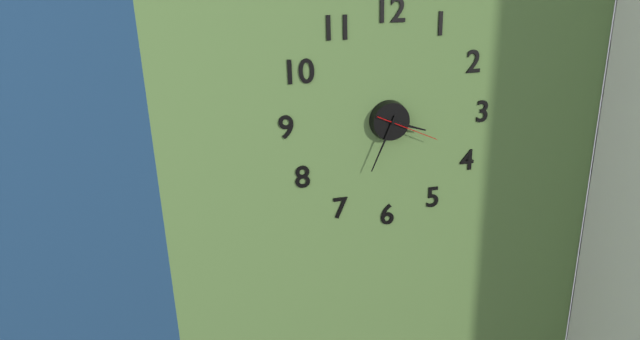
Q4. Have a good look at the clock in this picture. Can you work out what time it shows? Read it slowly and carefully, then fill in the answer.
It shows 3:34:19
